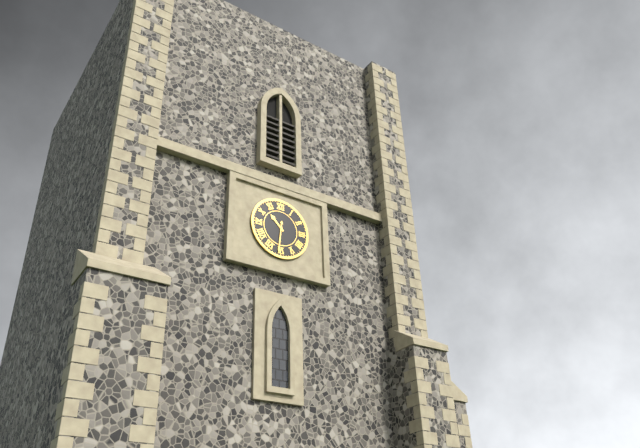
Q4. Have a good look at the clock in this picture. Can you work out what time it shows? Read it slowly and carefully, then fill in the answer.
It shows 10:31
